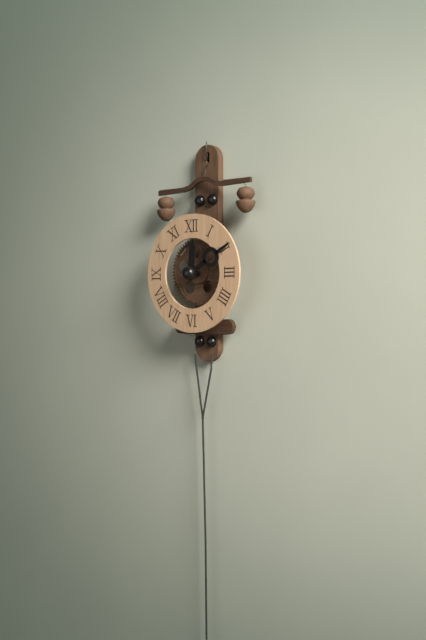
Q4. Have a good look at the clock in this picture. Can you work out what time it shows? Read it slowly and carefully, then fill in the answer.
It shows 12:10
